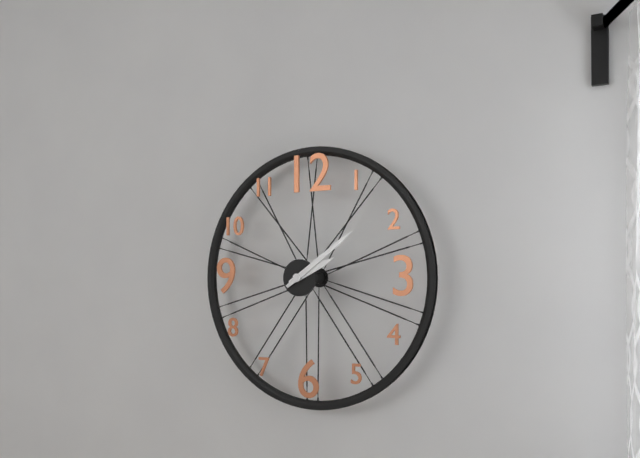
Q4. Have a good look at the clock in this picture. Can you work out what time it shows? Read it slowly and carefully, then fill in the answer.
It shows 2:09
